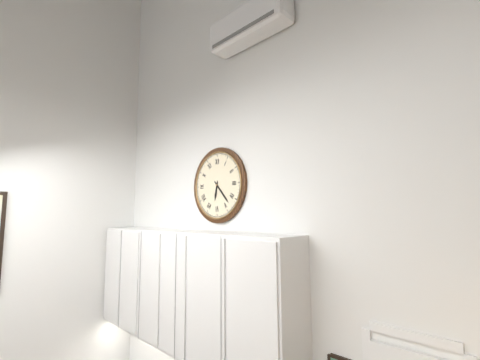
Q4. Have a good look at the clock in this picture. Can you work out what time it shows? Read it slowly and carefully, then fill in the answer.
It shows 6:23
